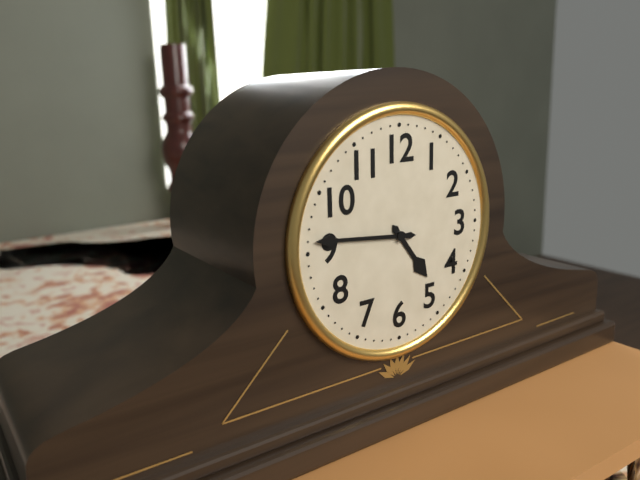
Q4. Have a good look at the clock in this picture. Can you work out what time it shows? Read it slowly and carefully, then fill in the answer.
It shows 4:46
